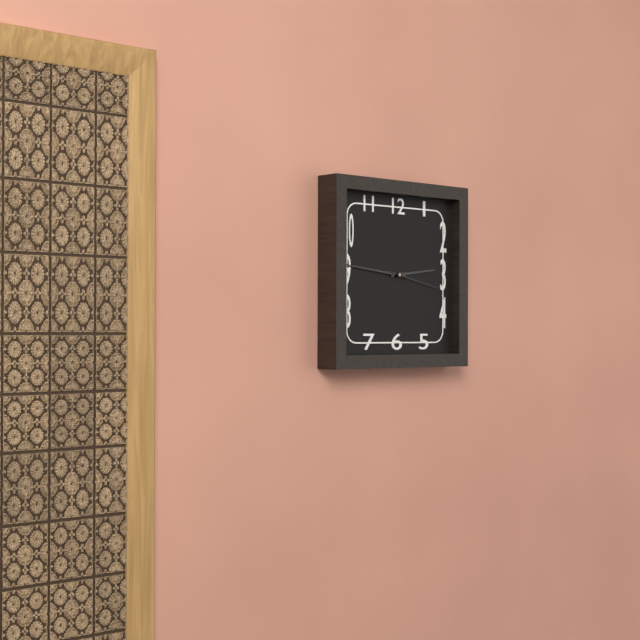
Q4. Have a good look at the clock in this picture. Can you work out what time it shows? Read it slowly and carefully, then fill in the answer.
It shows 2:46:17
